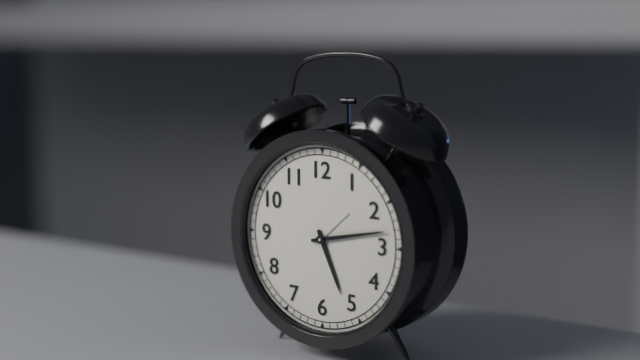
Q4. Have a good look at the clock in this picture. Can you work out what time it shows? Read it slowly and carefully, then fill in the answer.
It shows 5:13
